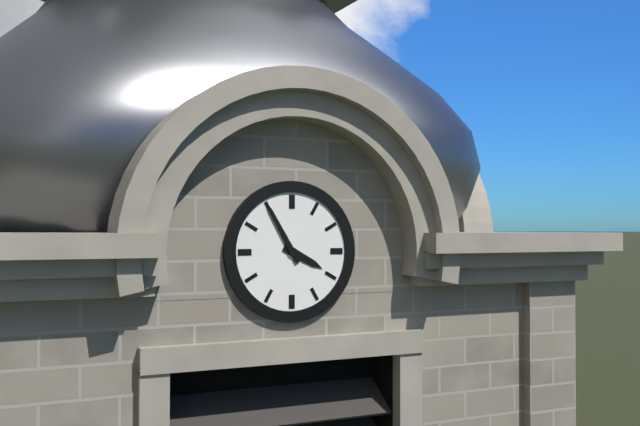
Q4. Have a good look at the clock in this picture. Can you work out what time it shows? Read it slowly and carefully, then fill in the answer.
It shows 3:55
